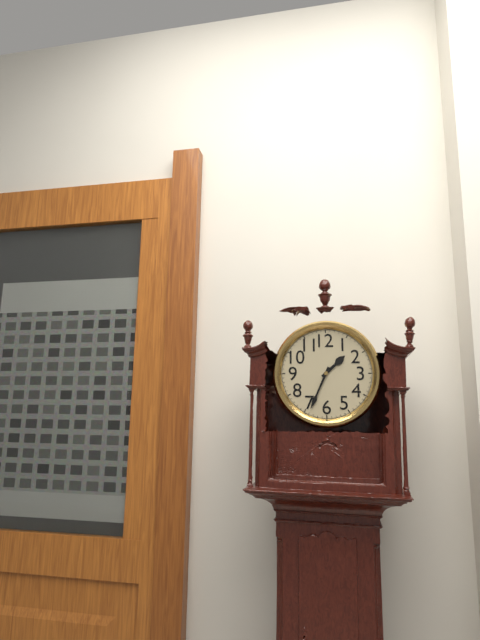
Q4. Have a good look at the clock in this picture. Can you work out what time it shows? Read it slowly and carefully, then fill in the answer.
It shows 1:34
